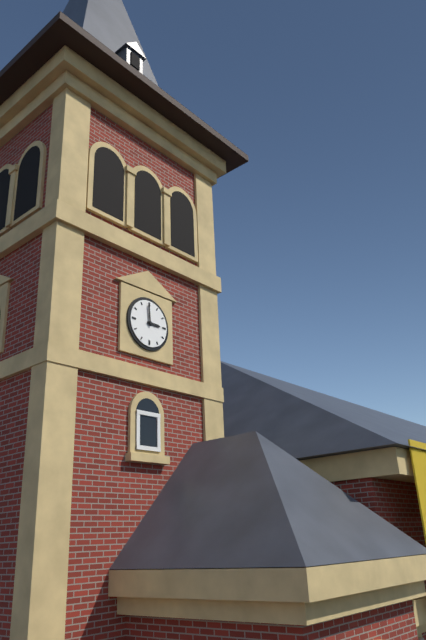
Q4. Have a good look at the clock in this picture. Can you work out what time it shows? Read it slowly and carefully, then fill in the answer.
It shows 2:59
